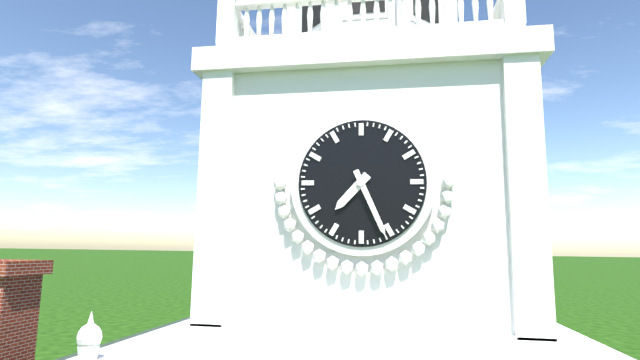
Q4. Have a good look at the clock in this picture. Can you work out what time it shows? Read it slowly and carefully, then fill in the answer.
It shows 7:26
